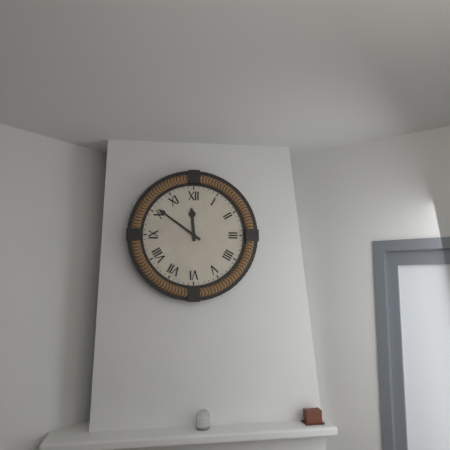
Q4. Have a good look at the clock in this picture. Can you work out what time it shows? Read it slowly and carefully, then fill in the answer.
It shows 11:51
